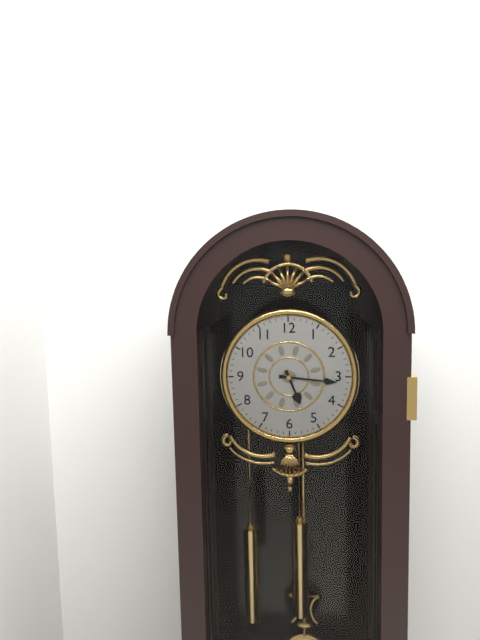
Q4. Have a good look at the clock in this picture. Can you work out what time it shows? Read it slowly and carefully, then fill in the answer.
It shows 5:16
